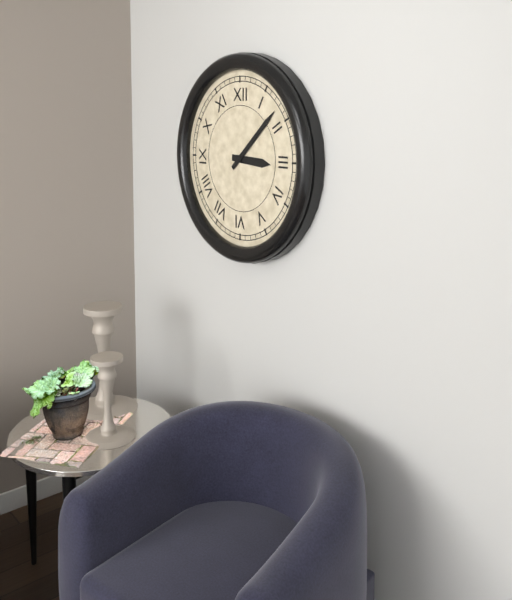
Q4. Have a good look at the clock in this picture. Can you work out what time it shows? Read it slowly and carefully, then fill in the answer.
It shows 3:08
